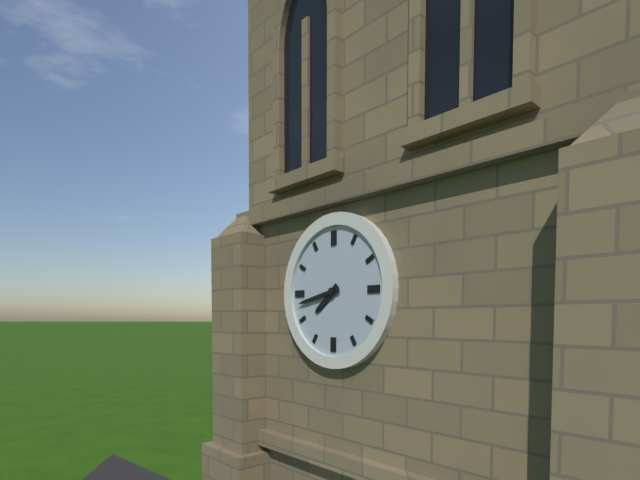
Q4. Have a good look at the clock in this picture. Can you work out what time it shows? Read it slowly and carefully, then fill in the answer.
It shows 7:43
